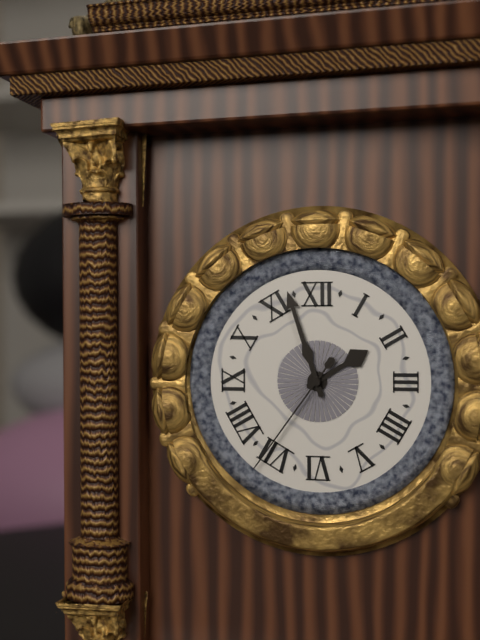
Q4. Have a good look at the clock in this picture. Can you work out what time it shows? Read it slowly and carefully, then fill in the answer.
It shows 1:57:36
